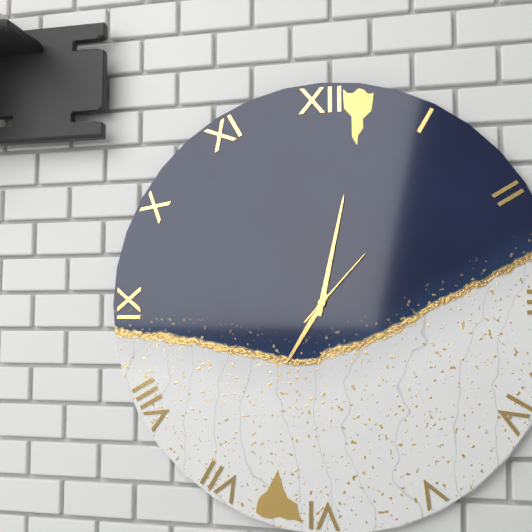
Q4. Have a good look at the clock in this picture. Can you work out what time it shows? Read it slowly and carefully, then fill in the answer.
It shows 7:02:07
